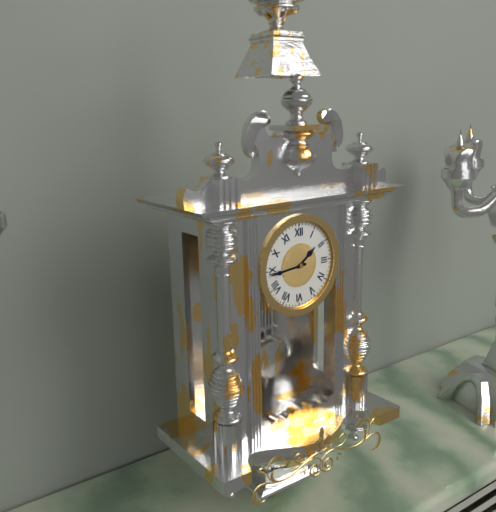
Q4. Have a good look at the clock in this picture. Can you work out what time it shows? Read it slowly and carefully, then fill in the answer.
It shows 1:44
